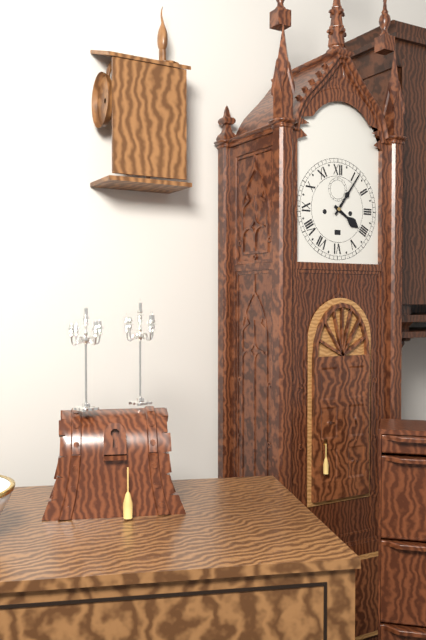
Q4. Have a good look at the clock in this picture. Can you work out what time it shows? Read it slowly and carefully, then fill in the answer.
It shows 4:06
